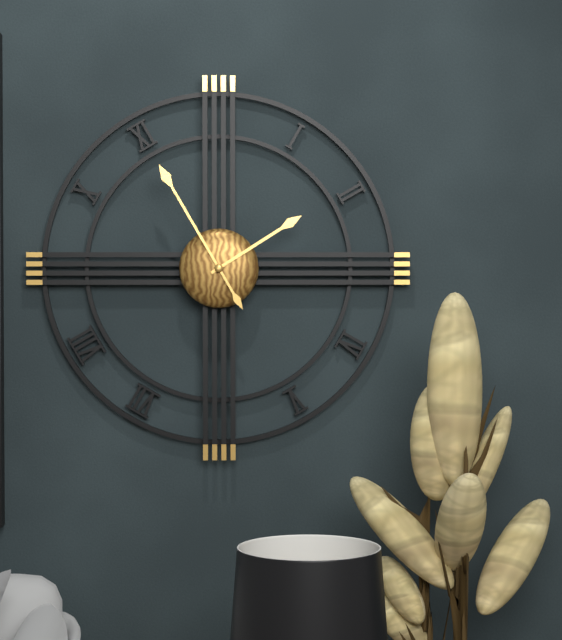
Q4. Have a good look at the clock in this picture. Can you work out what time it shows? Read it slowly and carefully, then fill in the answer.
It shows 1:55
